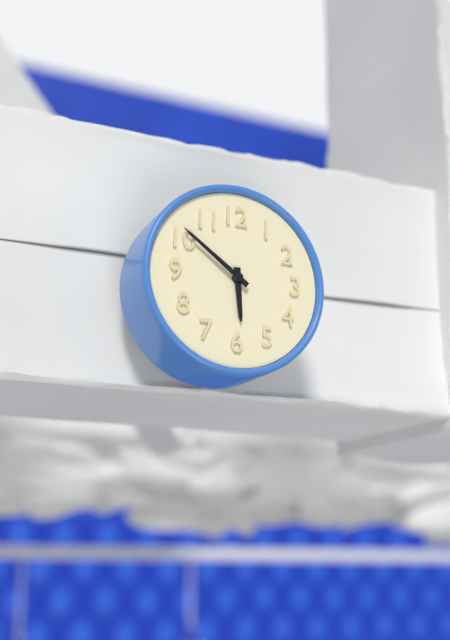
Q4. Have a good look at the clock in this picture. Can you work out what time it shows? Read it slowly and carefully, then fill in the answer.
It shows 5:51
